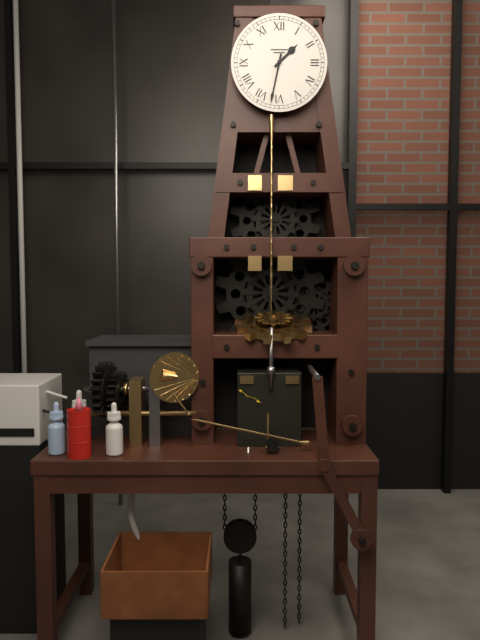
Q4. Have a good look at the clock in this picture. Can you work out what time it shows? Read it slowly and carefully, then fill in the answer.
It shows 1:32
